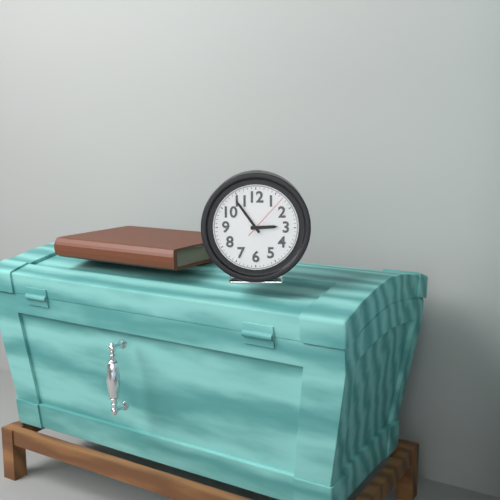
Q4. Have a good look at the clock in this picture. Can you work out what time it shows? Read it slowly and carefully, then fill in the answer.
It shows 2:54
